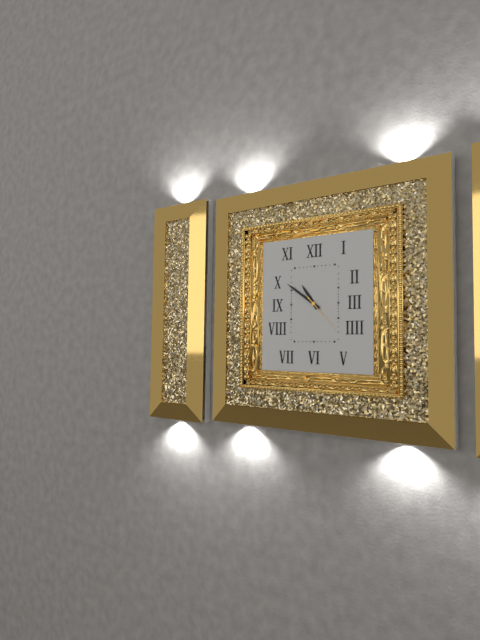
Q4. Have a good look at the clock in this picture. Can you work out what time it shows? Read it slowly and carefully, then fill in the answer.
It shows 10:51
